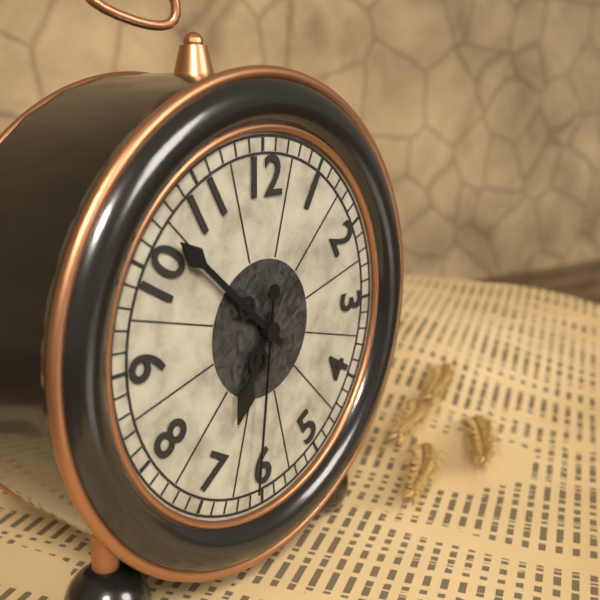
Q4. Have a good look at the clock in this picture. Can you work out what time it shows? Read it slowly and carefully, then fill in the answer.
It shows 6:52:31
